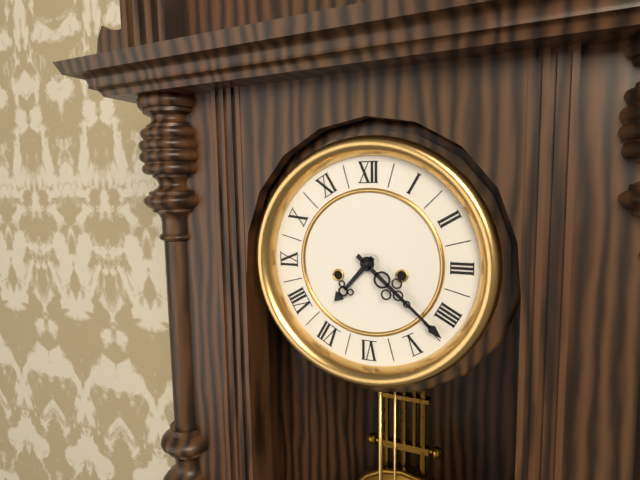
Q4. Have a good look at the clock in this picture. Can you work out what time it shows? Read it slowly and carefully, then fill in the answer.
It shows 7:22
